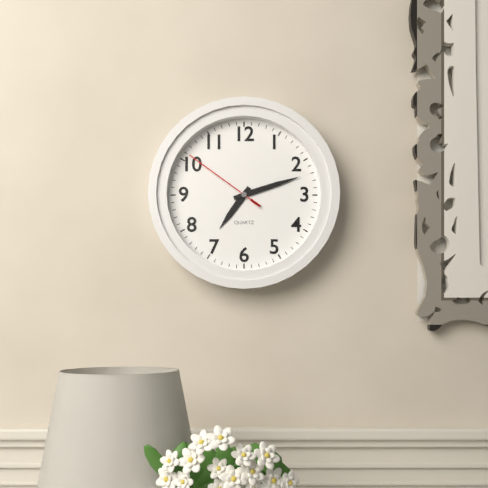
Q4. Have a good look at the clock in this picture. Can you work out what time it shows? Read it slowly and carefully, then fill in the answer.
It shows 7:12:51
